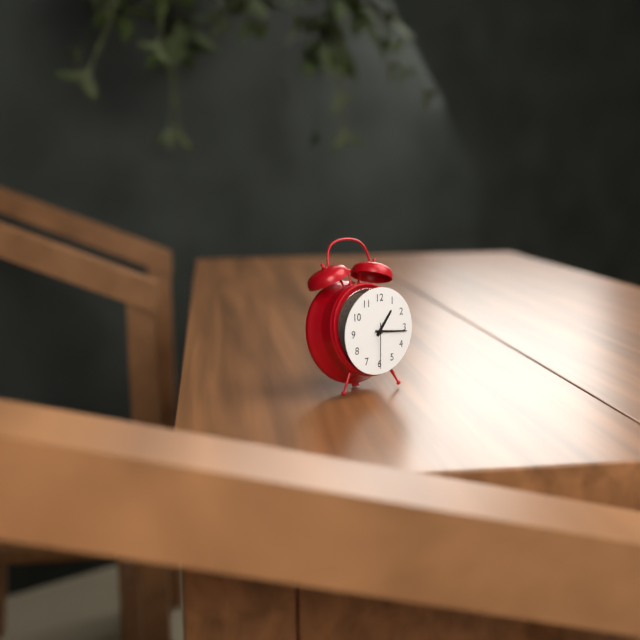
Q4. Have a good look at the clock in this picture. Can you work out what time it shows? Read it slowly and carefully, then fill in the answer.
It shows 1:16
